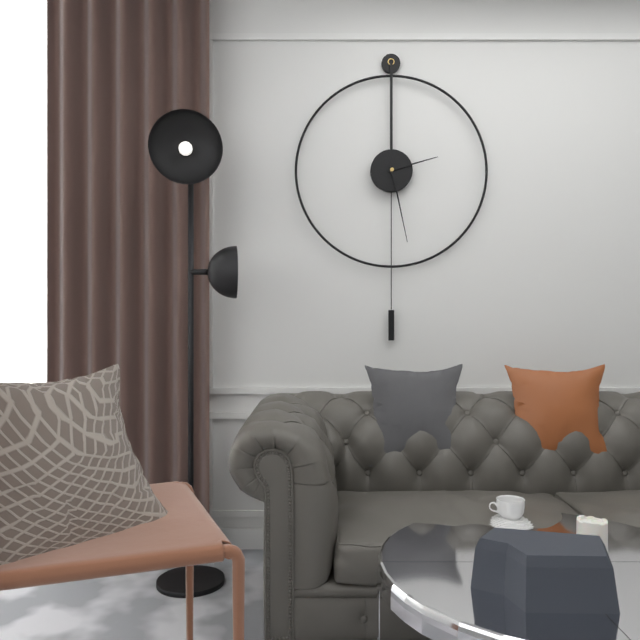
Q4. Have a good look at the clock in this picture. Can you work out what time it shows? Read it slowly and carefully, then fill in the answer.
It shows 2:28
